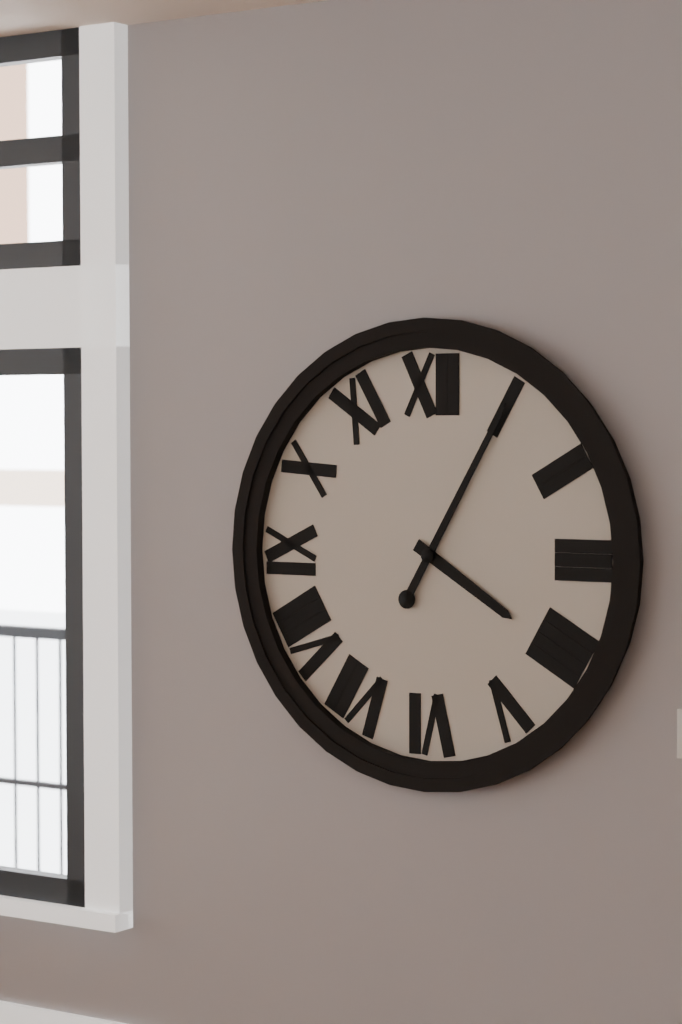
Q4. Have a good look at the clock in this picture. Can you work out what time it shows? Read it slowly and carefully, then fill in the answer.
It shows 4:05
